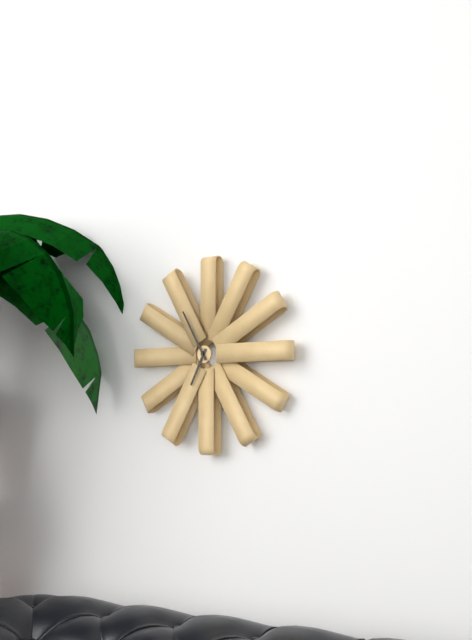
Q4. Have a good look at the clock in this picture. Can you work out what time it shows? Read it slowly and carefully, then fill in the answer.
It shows 6:55
